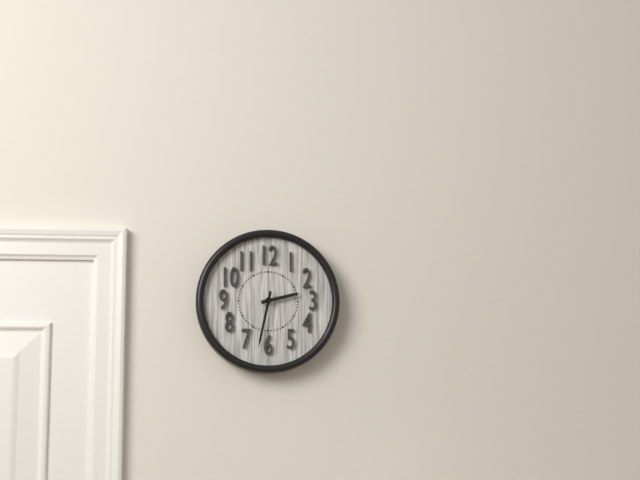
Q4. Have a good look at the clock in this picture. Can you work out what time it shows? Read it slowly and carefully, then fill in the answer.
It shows 2:32
